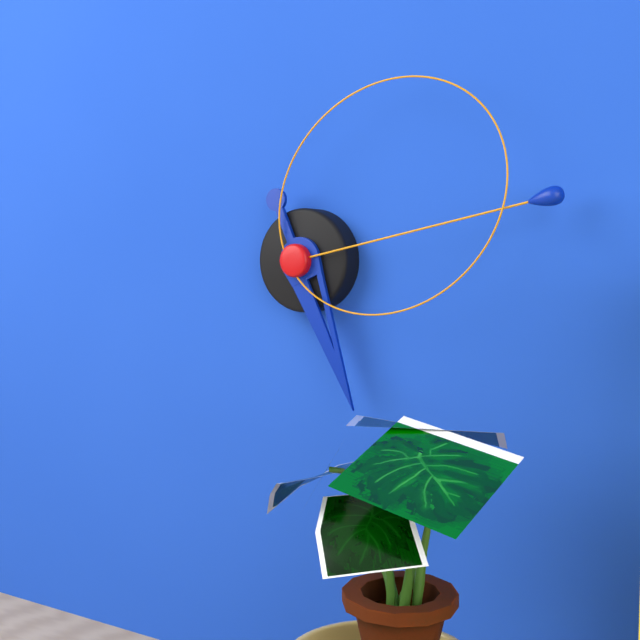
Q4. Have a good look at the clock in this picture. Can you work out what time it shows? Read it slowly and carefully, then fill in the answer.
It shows 5:13:10
